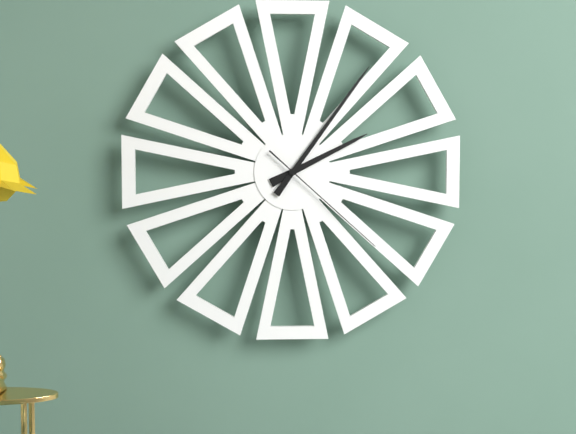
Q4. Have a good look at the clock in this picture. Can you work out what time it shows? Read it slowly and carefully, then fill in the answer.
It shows 2:06:22
